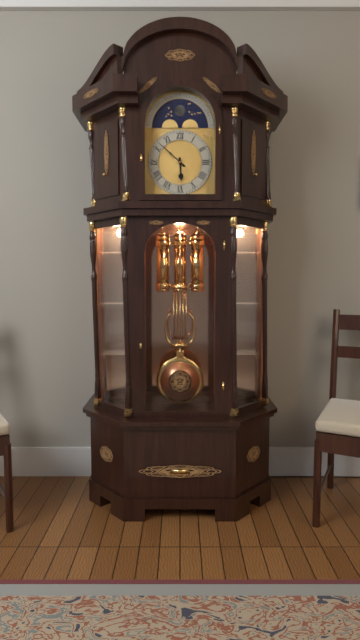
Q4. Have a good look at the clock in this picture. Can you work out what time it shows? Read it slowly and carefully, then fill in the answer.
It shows 5:52
